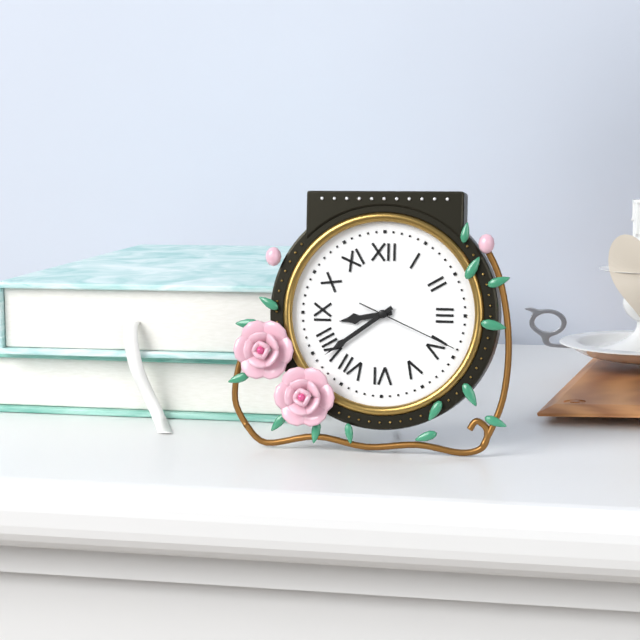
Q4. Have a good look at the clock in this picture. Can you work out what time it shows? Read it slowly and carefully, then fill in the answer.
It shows 8:39:19
